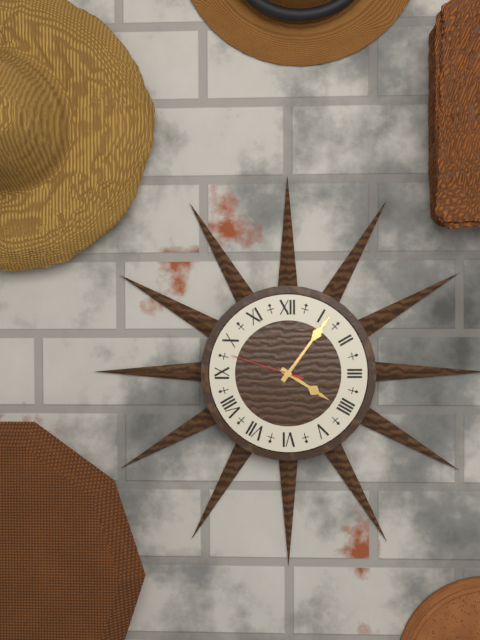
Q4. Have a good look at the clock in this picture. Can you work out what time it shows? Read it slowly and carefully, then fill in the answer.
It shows 4:06:48
